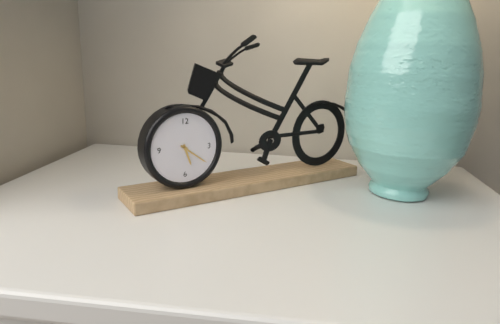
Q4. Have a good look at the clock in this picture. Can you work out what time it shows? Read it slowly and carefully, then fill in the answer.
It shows 5:21
